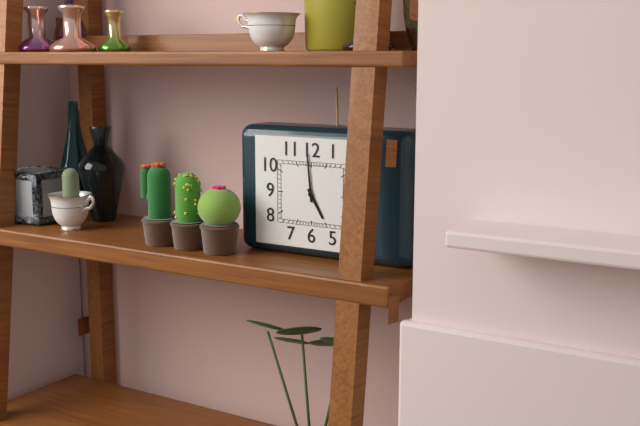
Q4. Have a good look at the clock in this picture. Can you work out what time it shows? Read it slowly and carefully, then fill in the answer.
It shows 4:59
